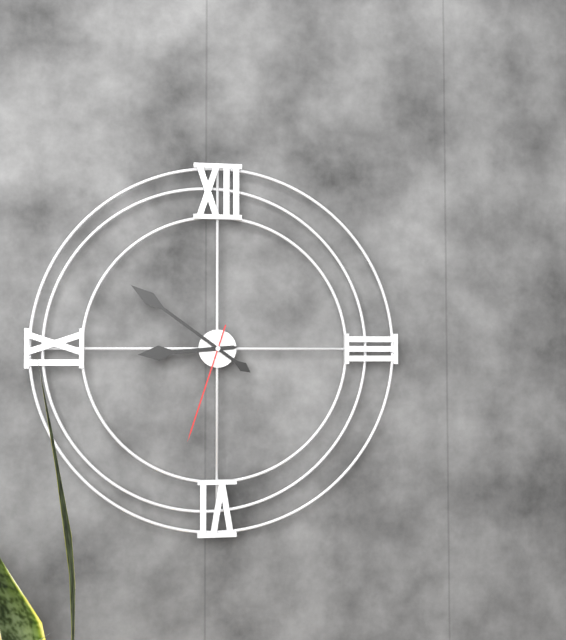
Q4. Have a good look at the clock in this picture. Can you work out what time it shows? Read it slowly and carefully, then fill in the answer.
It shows 8:51:33
